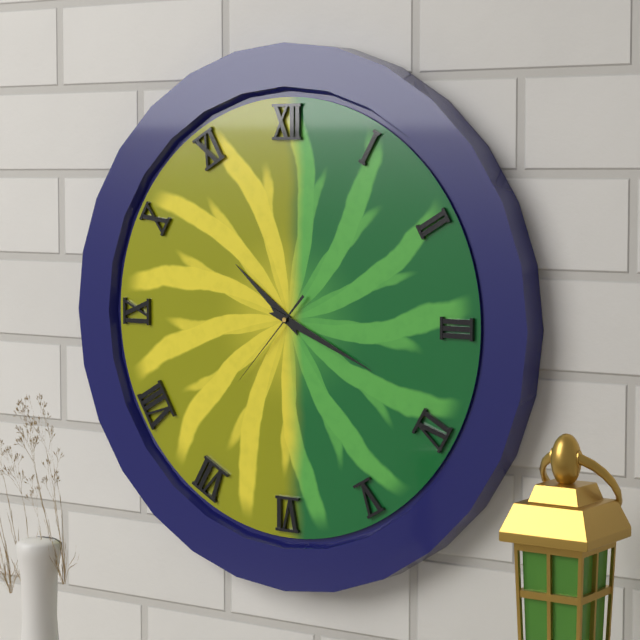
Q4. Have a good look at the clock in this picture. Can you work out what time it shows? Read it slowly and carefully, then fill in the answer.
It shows 10:19:37
